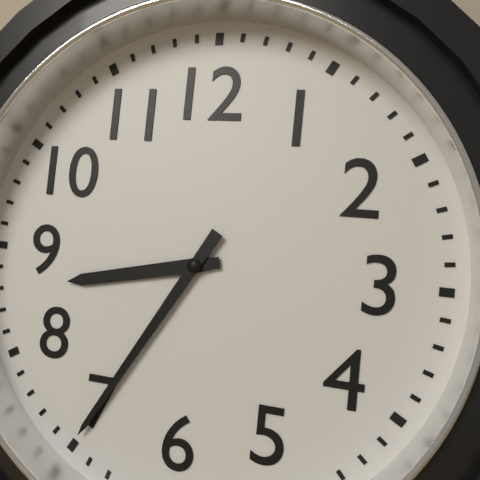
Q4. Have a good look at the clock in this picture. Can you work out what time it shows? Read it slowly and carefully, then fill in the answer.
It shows 8:35
